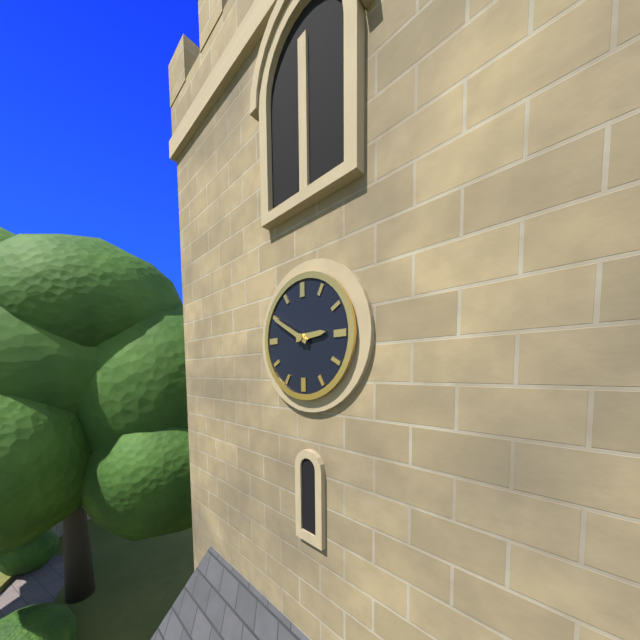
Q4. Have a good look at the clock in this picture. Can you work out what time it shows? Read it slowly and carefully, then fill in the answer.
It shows 2:50
